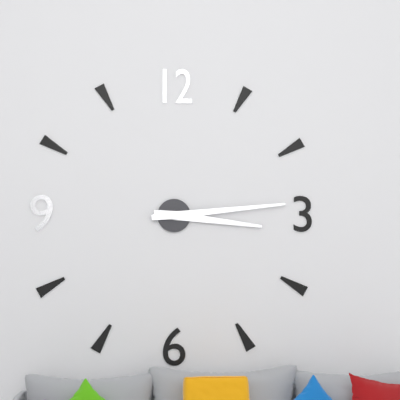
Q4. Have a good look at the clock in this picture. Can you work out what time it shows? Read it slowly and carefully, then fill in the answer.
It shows 3:14
